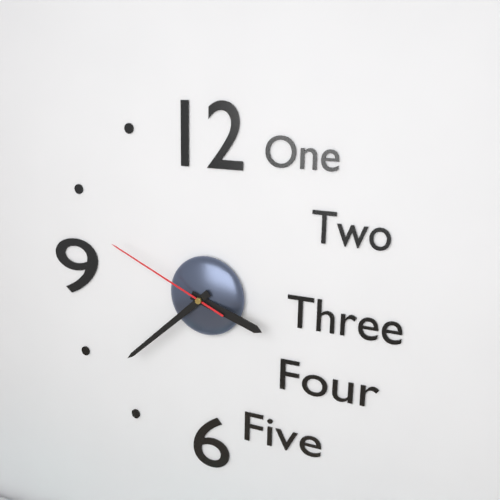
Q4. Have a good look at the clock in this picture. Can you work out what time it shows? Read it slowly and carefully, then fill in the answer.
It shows 3:38:49
